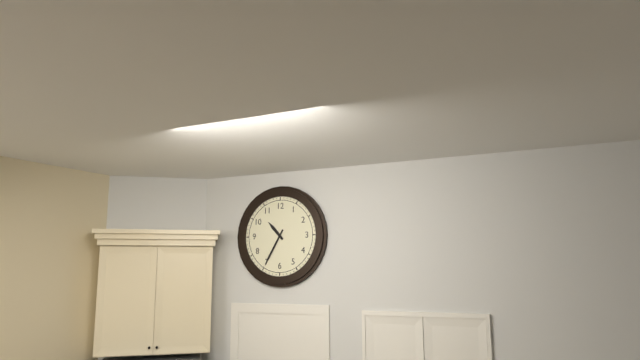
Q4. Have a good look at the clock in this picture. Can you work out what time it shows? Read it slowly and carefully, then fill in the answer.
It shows 10:35
